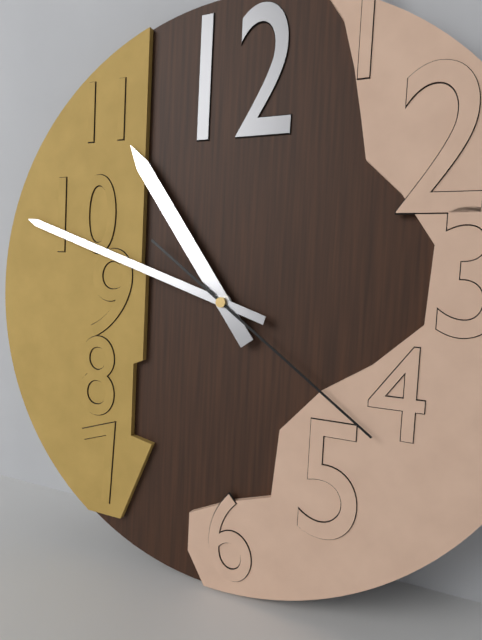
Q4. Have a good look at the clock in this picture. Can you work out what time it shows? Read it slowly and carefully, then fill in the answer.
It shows 10:48:21
